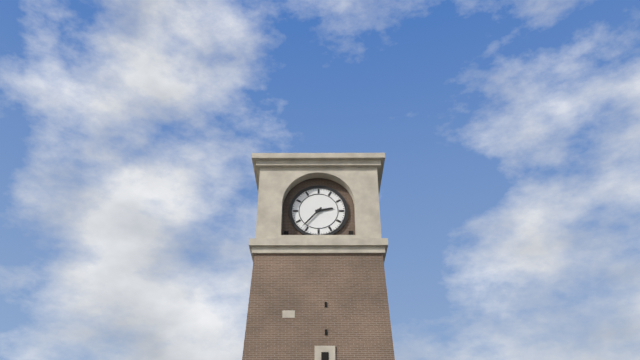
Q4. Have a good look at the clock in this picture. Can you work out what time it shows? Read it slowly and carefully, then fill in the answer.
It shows 2:37
